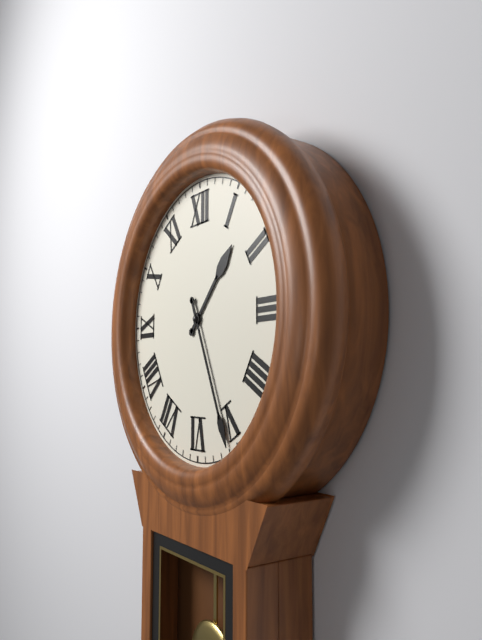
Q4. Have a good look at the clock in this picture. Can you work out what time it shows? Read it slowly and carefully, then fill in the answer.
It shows 1:26
